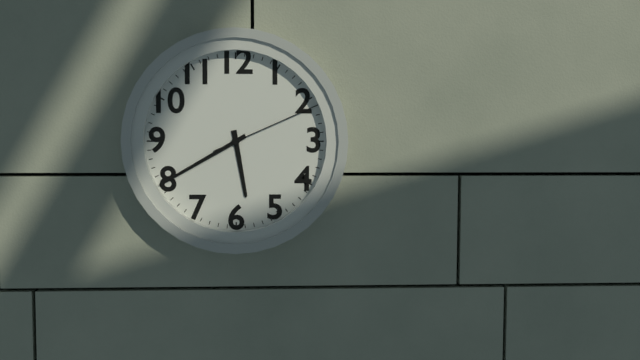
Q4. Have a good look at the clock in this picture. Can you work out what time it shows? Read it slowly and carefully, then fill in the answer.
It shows 5:40:11
